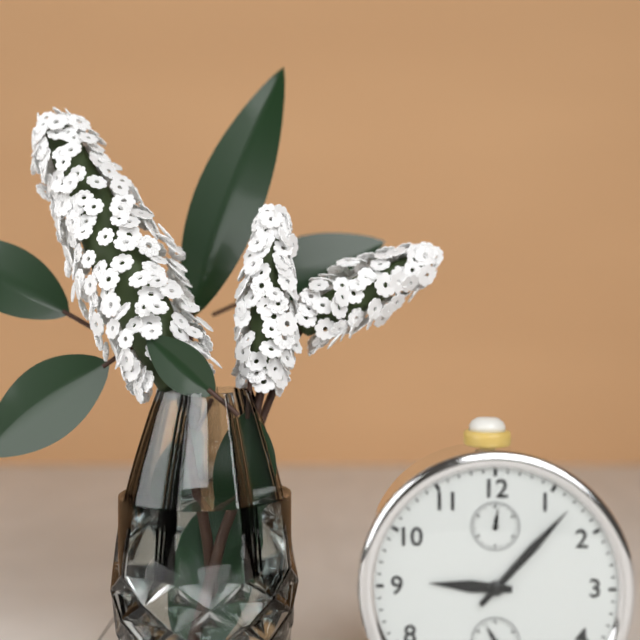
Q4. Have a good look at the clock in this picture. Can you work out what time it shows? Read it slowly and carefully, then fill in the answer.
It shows 9:07
